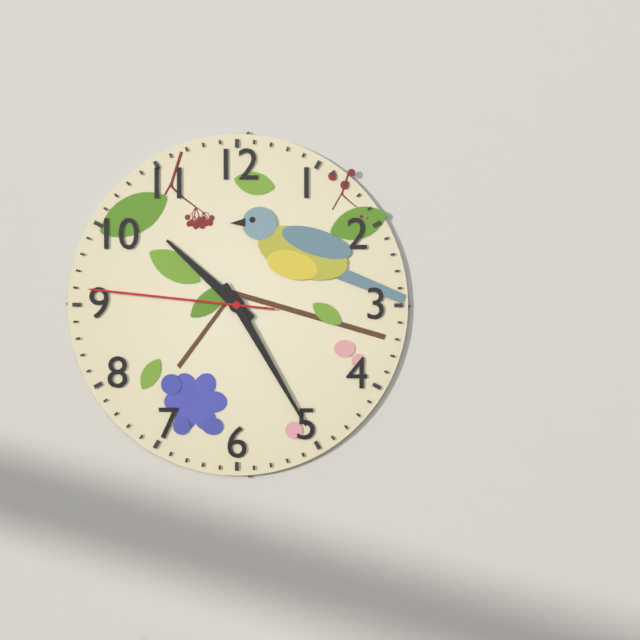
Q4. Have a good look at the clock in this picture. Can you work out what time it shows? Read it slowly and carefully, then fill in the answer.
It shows 10:25:46
